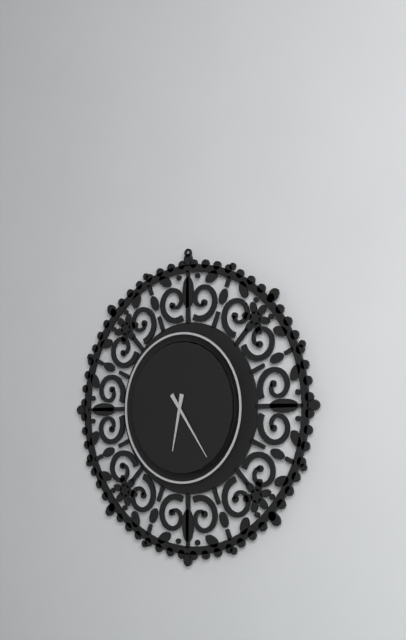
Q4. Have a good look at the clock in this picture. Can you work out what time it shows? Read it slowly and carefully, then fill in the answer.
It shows 6:24
